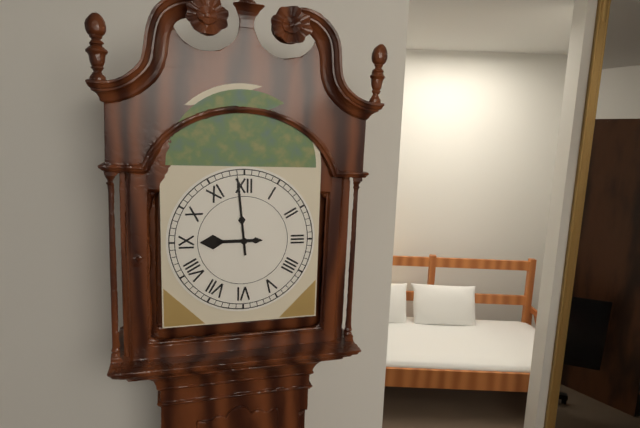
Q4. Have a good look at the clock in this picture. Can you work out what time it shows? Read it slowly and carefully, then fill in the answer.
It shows 8:59
